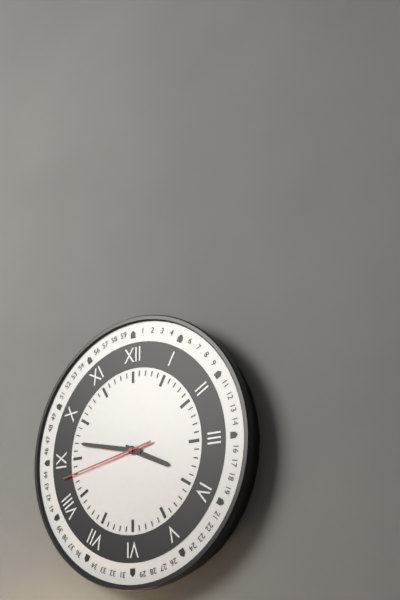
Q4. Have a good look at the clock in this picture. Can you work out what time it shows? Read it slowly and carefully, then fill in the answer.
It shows 3:47:43
